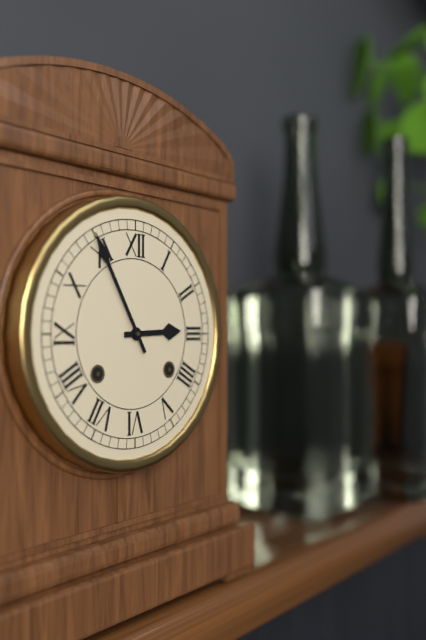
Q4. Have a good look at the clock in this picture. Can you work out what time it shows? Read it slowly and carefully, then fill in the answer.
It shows 2:55
